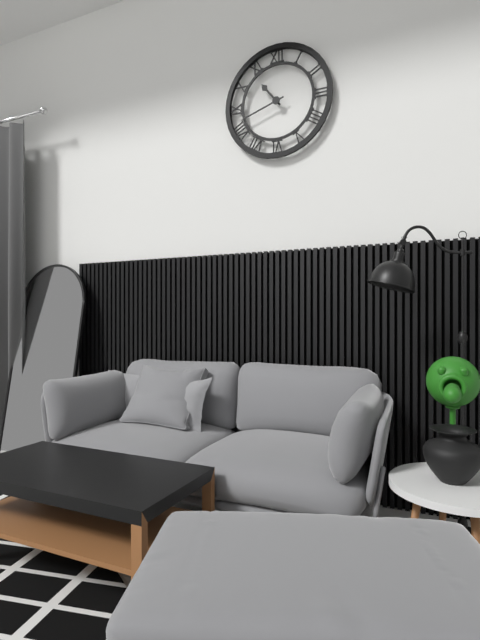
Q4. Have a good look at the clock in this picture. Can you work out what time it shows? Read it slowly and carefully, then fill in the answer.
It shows 10:42
